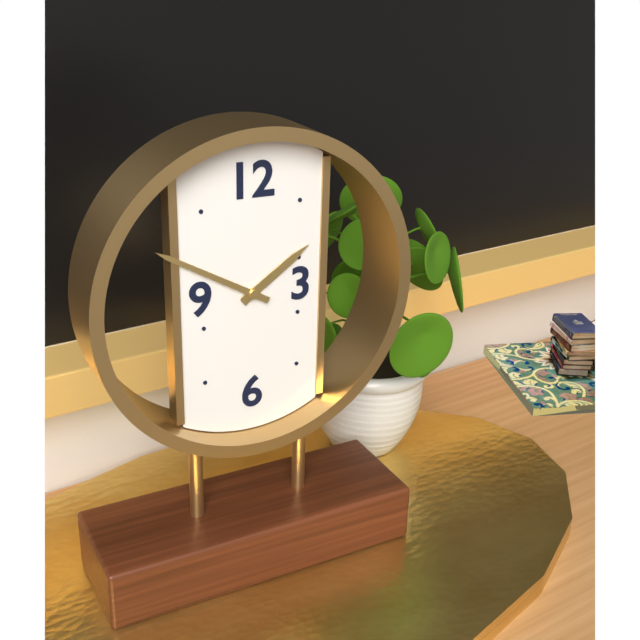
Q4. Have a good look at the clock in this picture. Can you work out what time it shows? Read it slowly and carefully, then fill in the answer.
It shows 1:50
